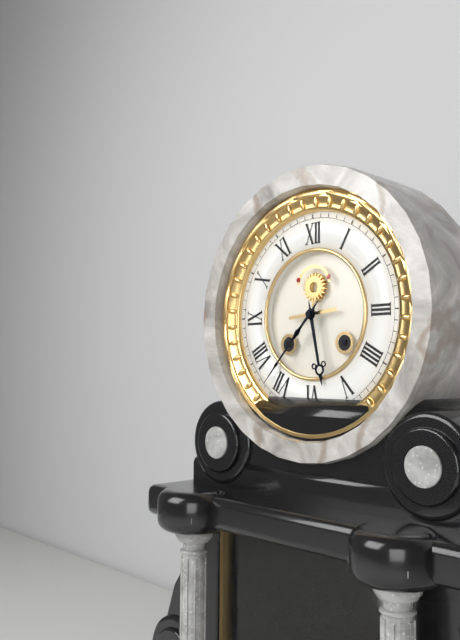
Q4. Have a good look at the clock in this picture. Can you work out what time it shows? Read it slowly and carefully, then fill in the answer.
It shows 5:37
